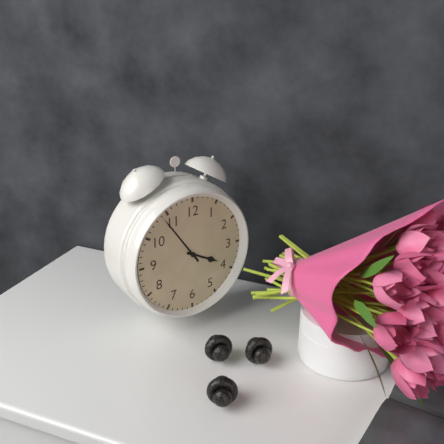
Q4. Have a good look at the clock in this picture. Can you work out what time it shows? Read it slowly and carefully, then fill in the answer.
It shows 3:54
